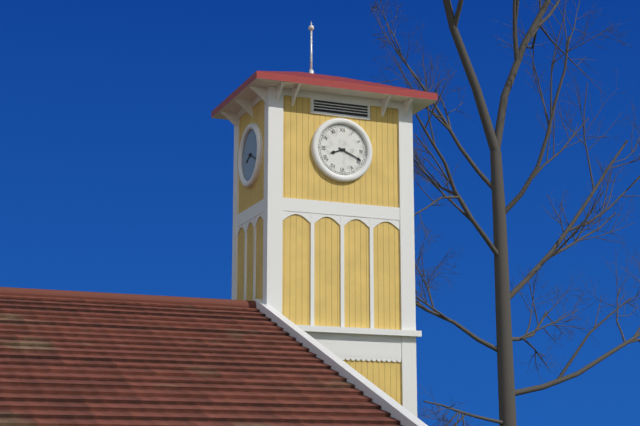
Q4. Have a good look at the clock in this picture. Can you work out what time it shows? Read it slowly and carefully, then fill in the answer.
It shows 8:19
